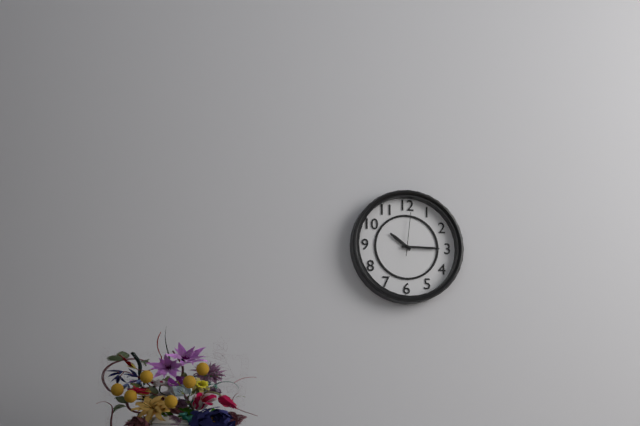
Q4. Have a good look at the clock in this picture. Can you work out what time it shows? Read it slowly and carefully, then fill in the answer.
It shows 10:15
